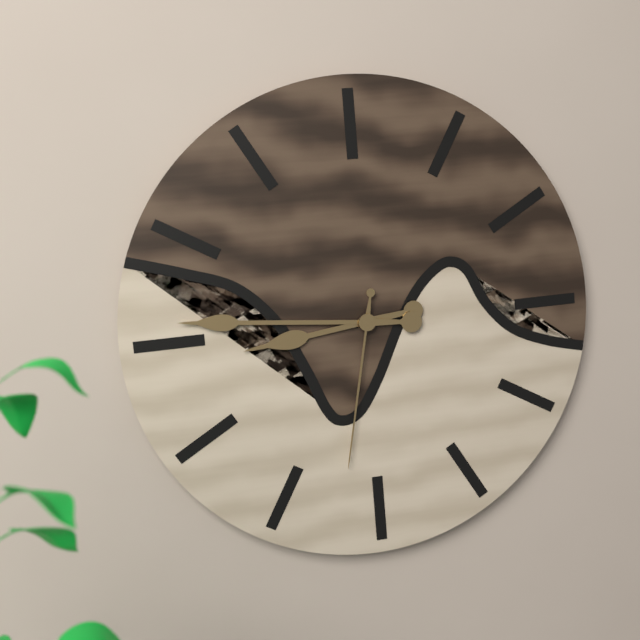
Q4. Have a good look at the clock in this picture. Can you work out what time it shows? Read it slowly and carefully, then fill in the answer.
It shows 8:46:32
